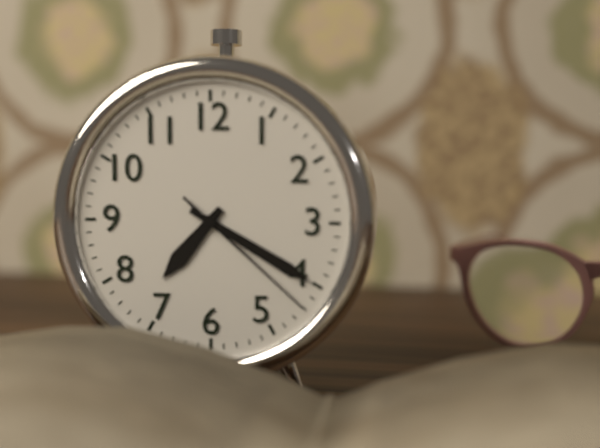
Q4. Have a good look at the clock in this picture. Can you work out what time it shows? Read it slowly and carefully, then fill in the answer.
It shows 7:20:22
